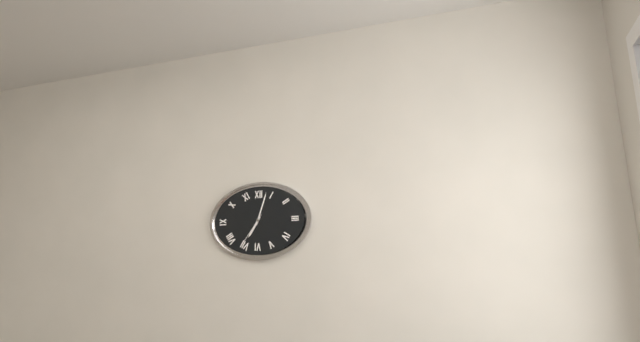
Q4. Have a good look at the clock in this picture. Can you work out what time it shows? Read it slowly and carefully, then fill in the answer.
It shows 7:03
